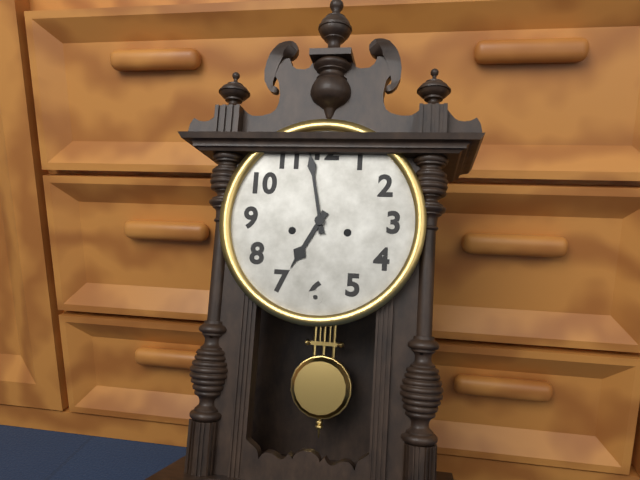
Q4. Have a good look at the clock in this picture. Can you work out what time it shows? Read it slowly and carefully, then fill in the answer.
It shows 6:58
